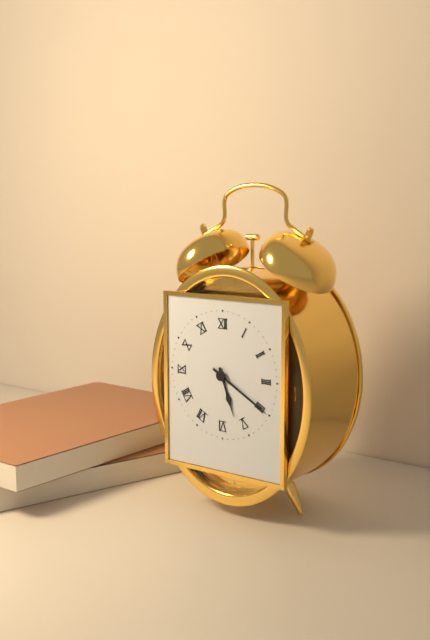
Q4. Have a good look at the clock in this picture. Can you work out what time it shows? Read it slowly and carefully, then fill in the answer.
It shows 5:20
